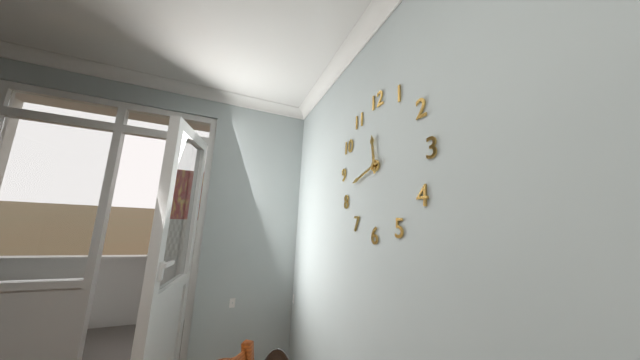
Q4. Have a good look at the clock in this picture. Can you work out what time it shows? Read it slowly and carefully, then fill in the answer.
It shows 11:42
